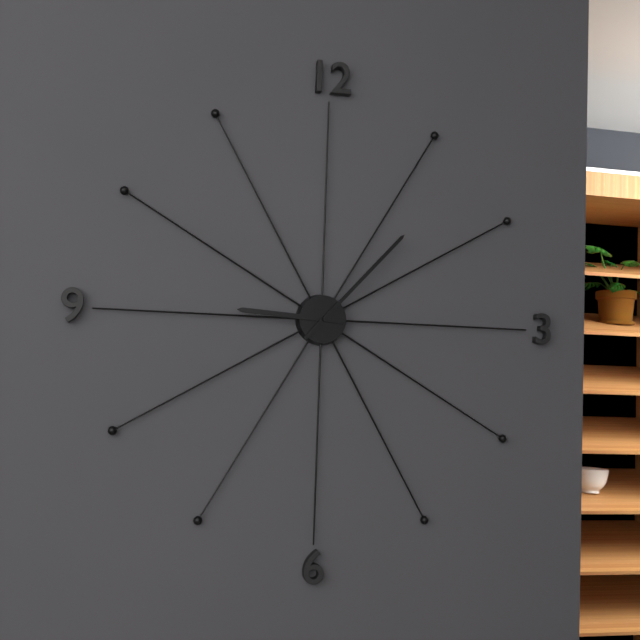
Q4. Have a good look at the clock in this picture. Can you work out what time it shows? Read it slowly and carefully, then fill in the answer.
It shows 9:07
